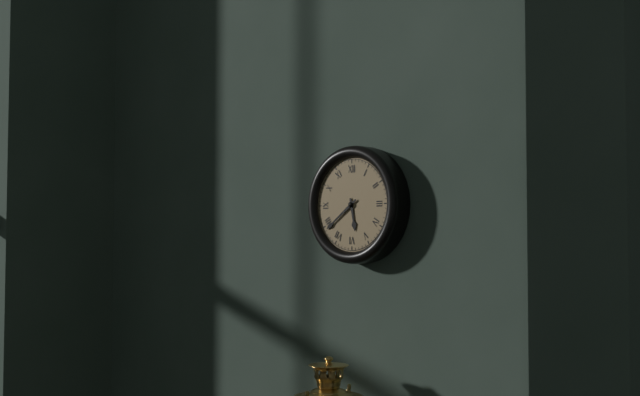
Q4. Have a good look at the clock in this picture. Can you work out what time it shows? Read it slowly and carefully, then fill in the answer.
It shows 5:39
